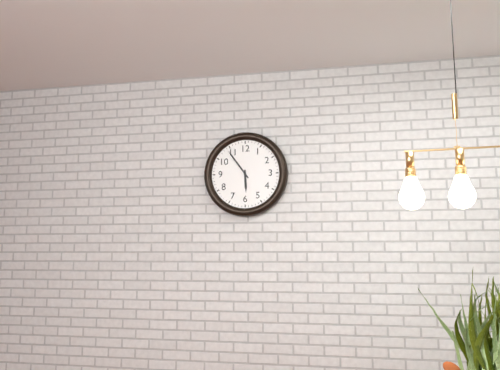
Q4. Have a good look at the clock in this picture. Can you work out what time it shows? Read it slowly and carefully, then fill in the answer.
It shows 5:54
